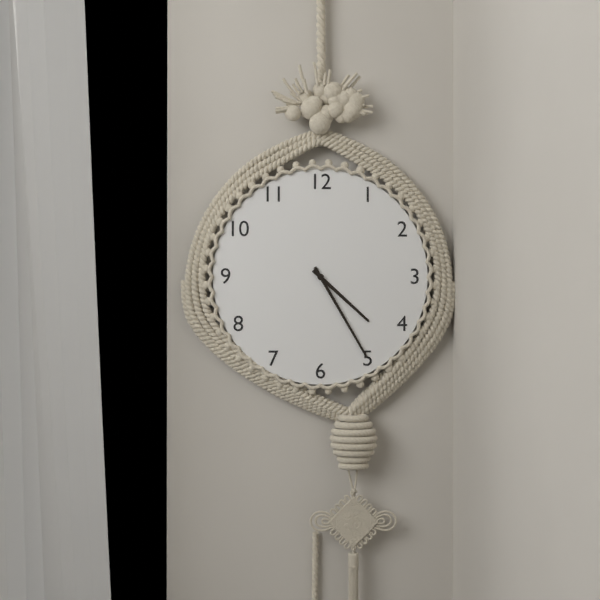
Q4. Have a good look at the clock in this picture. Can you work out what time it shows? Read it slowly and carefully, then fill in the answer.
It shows 4:25
